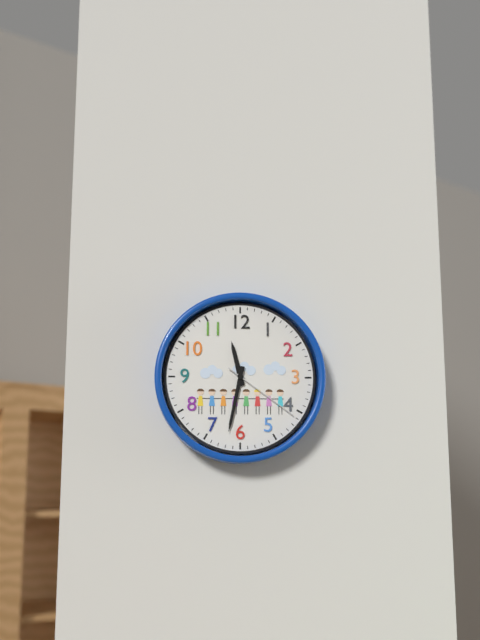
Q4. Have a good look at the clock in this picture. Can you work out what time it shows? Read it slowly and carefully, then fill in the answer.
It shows 11:32:21
